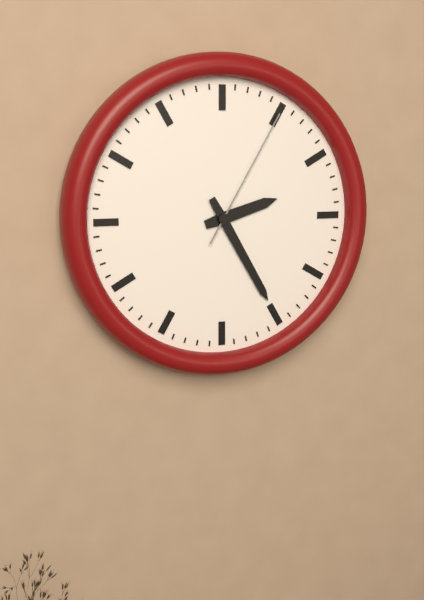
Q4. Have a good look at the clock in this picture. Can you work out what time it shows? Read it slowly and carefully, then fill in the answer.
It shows 2:25:05
